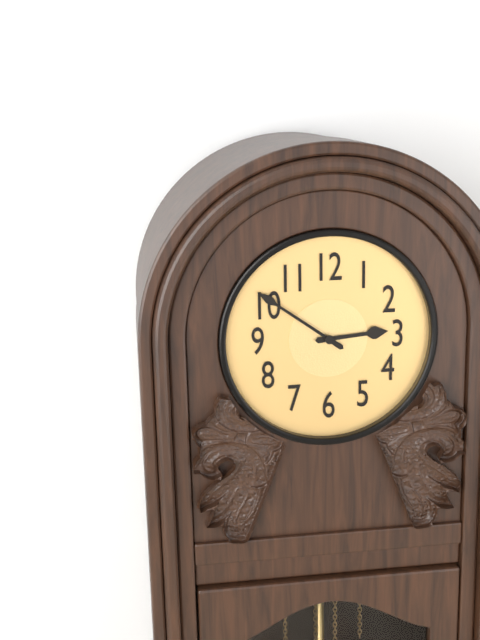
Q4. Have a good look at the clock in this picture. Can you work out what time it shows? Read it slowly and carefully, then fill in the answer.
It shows 2:51
